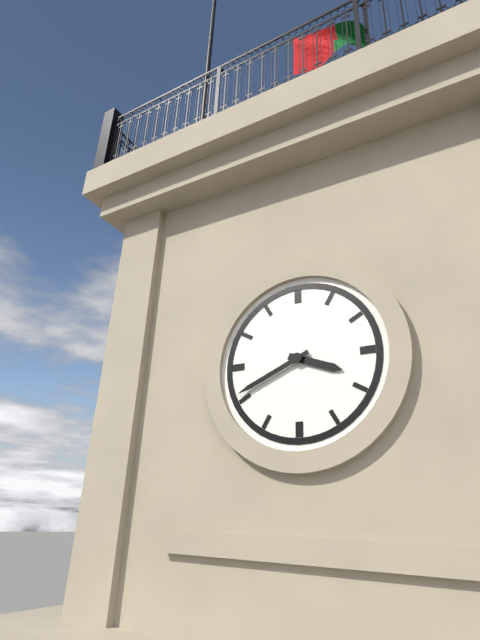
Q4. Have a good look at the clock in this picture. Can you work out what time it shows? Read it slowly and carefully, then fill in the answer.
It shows 3:41
